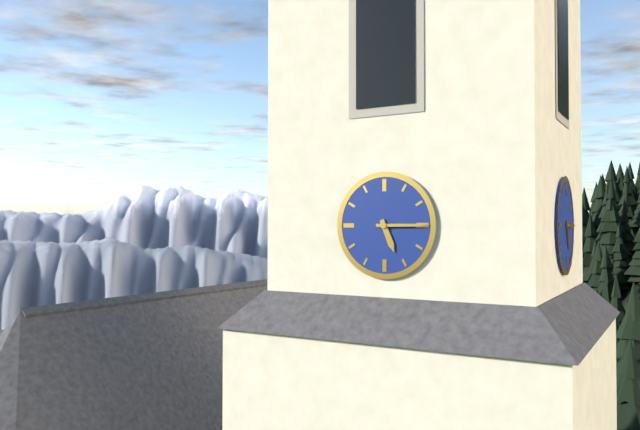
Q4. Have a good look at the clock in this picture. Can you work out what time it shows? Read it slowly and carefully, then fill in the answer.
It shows 5:15
